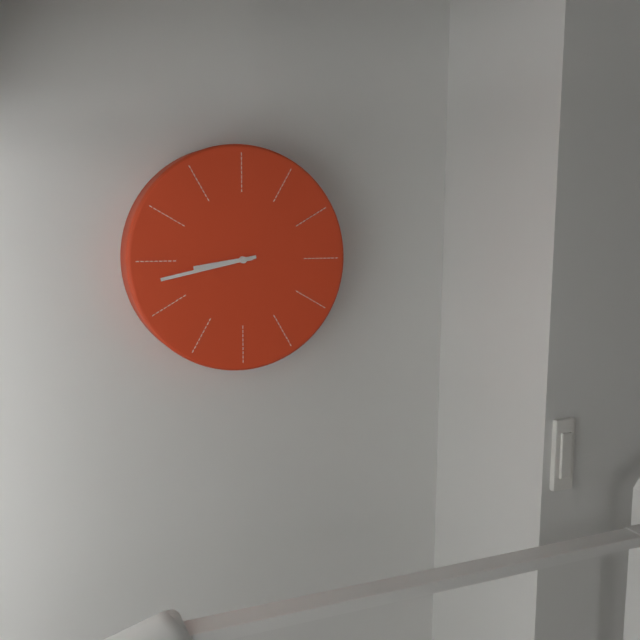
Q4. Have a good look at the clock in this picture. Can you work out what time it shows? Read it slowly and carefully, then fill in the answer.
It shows 8:43
